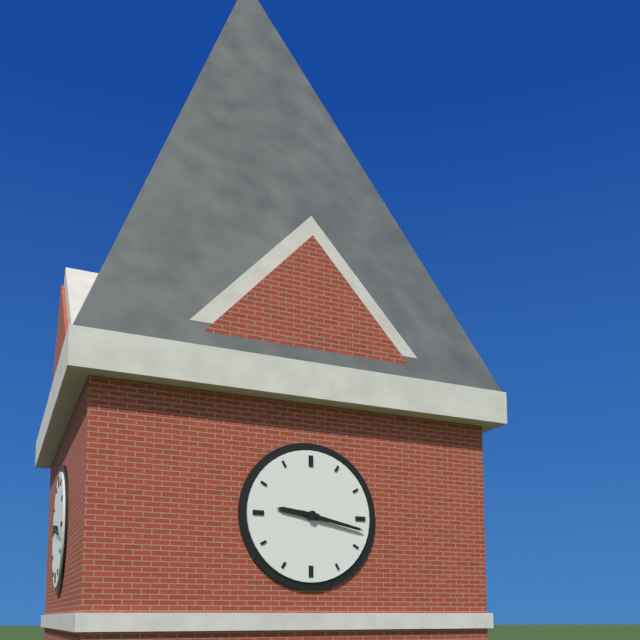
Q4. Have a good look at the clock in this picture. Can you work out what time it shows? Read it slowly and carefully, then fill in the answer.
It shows 9:17
